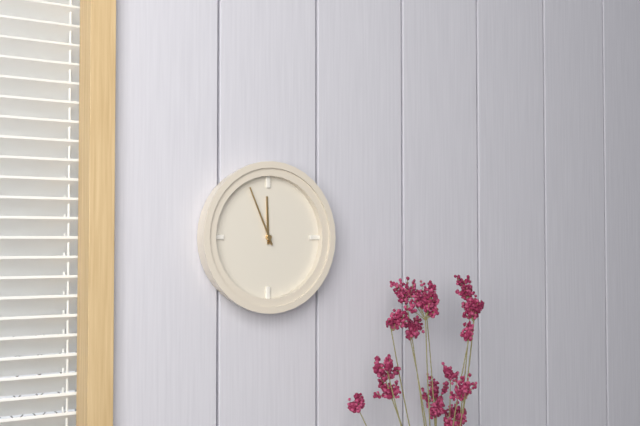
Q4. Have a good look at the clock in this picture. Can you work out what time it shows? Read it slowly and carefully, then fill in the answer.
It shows 11:56
